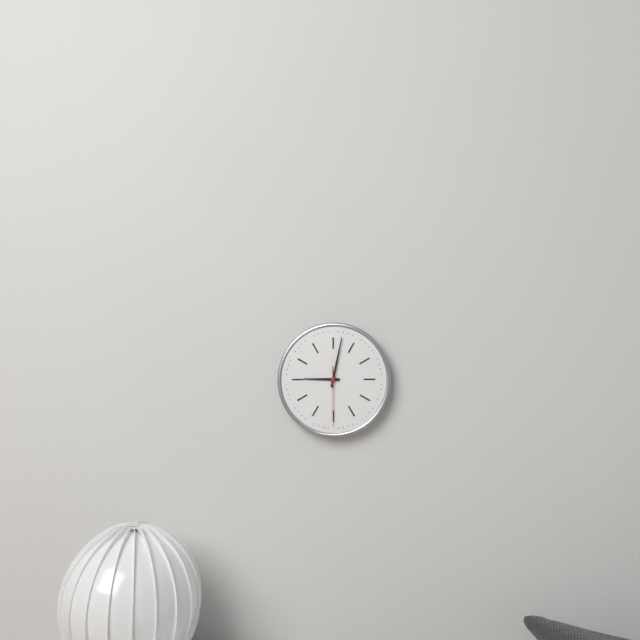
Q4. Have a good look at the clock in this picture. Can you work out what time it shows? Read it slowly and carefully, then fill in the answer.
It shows 9:02:30
